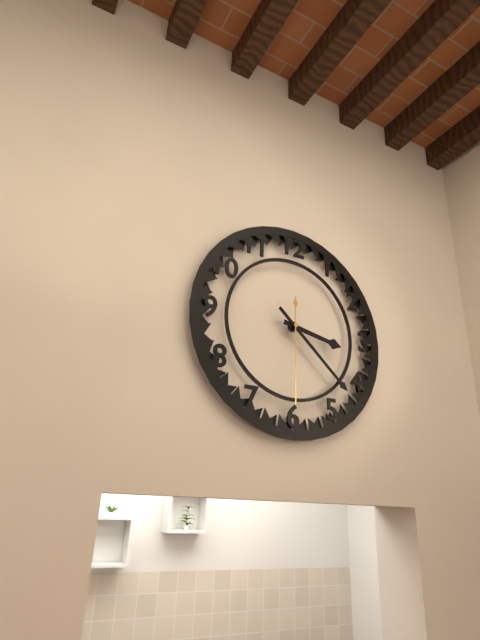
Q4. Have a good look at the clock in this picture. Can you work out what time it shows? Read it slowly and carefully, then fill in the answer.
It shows 3:22:30
